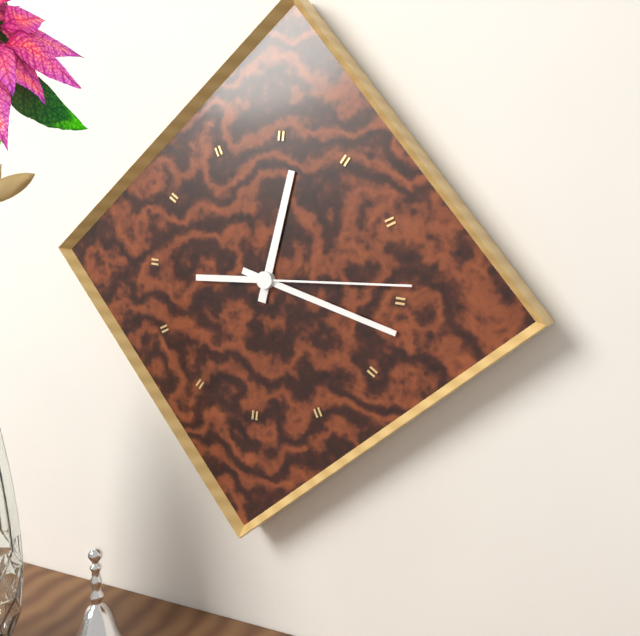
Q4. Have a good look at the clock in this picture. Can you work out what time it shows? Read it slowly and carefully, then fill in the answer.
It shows 12:17:14
